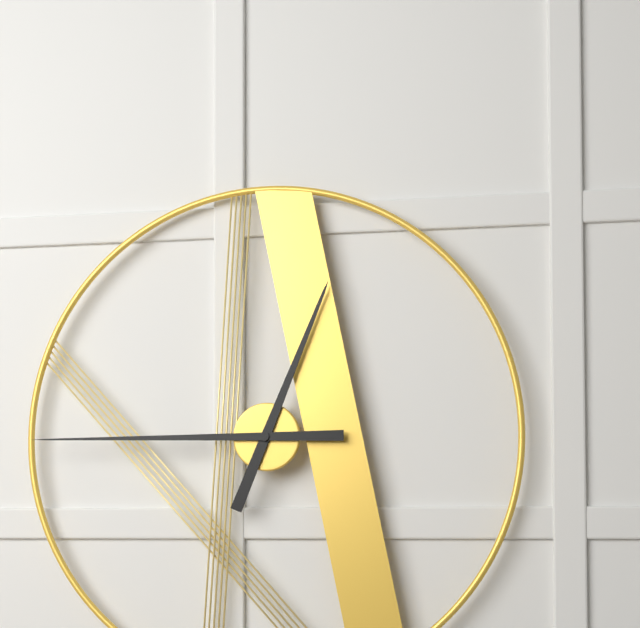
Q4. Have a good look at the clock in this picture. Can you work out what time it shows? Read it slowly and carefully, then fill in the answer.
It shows 12:45
